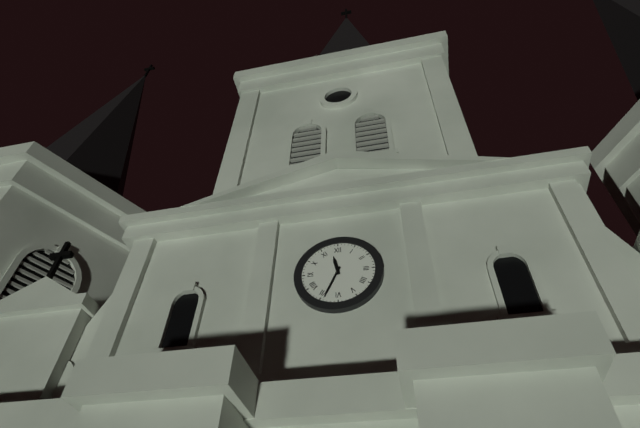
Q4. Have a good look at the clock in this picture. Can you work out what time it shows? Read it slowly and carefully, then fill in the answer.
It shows 11:34
